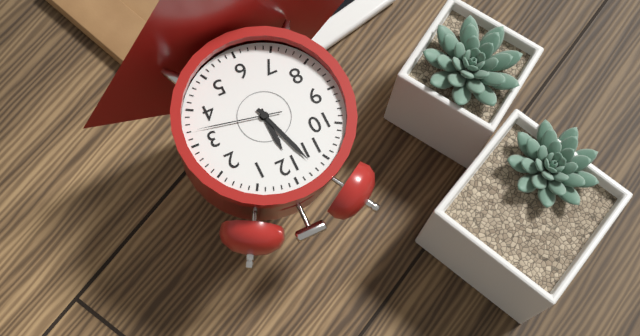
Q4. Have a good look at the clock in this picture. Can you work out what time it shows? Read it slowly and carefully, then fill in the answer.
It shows 11:57:17
